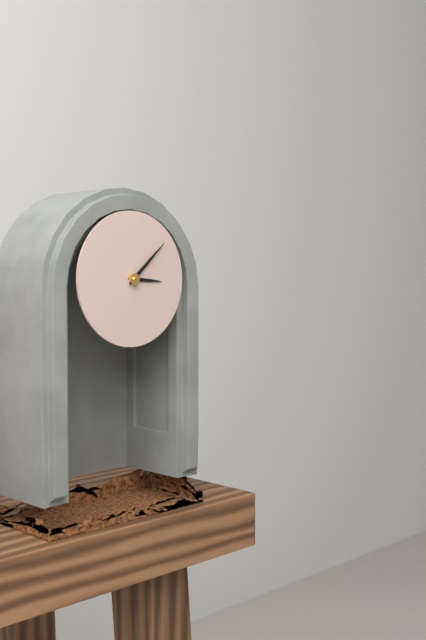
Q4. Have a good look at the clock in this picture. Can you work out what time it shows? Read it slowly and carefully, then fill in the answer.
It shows 3:08
